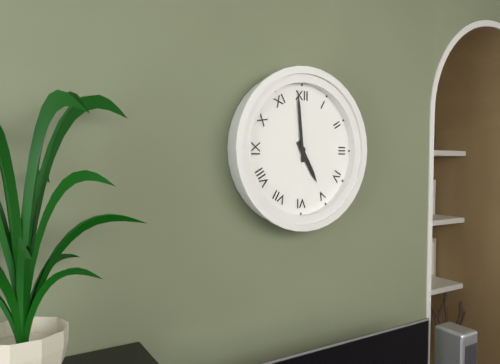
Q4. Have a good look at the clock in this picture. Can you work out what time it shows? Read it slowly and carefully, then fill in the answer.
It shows 4:59
